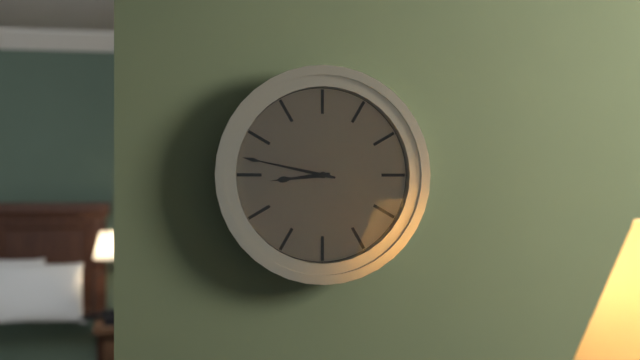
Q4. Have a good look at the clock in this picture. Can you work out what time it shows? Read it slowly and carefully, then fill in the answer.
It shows 8:47
